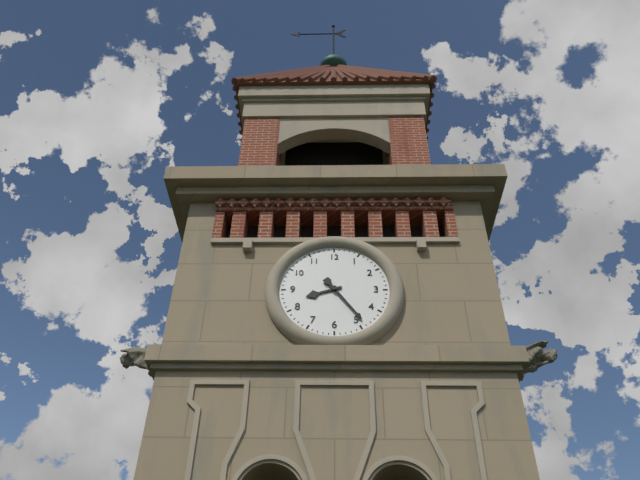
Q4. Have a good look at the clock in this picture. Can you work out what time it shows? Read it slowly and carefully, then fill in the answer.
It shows 8:24
